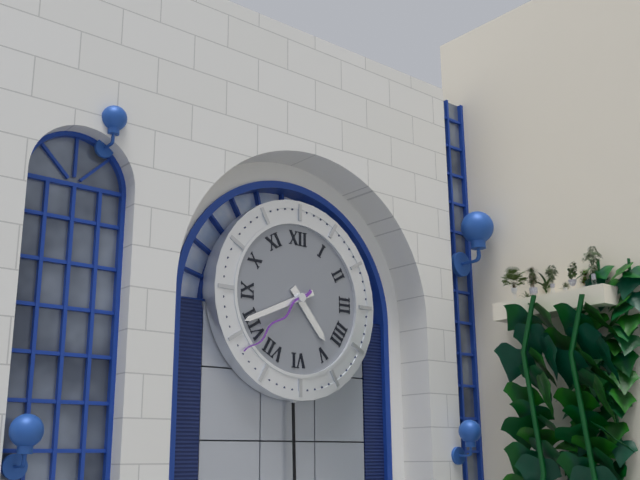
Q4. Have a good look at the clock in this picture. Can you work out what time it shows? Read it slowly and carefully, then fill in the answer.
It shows 4:41:38
